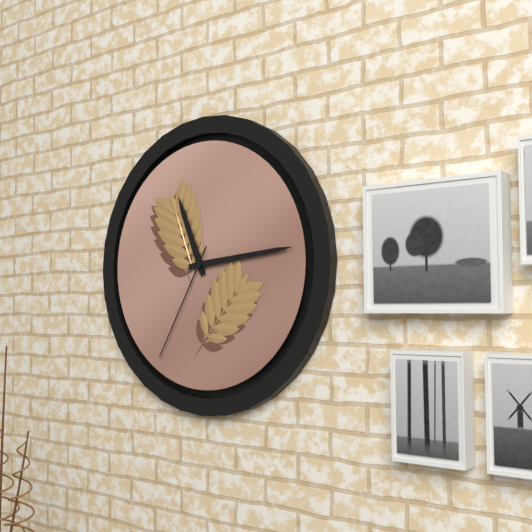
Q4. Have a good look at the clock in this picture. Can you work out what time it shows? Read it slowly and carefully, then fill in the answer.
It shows 11:14:35
